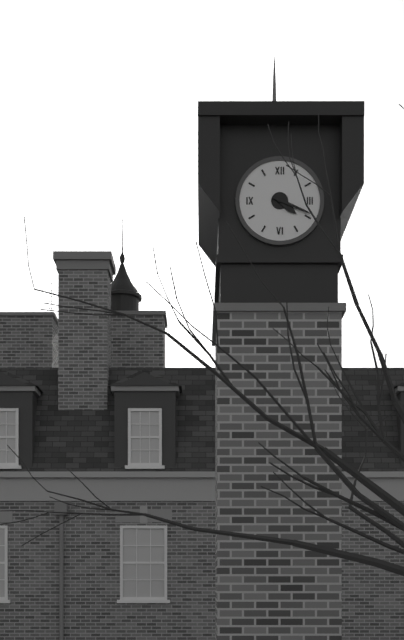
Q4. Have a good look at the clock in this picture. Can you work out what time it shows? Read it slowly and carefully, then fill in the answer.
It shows 4:19
